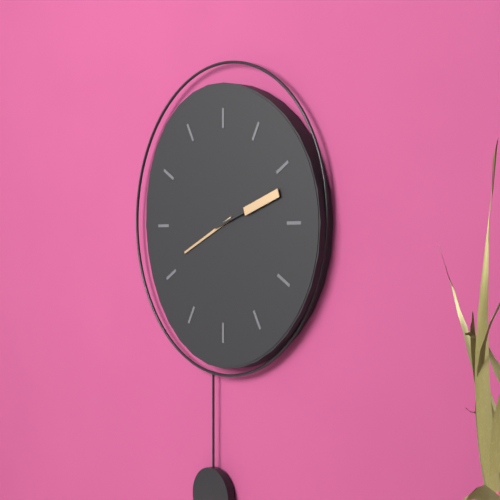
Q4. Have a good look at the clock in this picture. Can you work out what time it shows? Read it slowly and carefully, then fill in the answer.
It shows 8:12
